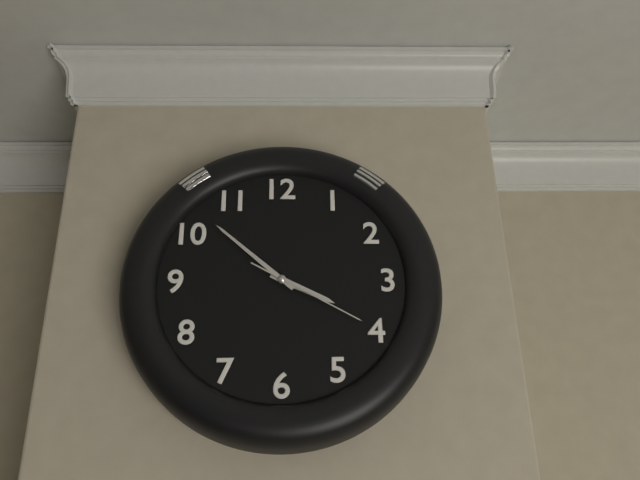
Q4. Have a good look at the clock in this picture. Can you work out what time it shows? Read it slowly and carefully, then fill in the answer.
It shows 3:52:20
